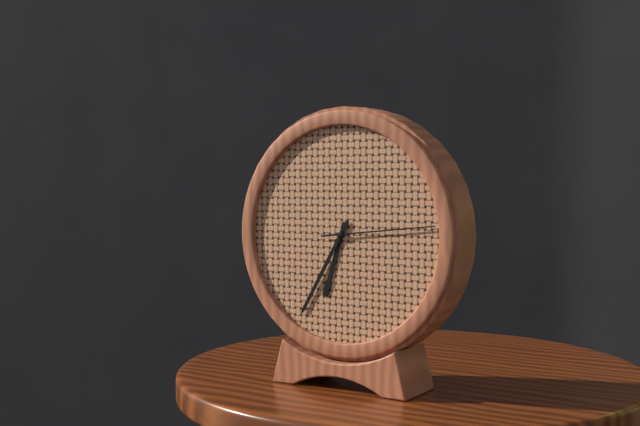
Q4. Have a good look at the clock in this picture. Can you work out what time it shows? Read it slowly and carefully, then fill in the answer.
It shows 6:35:14
